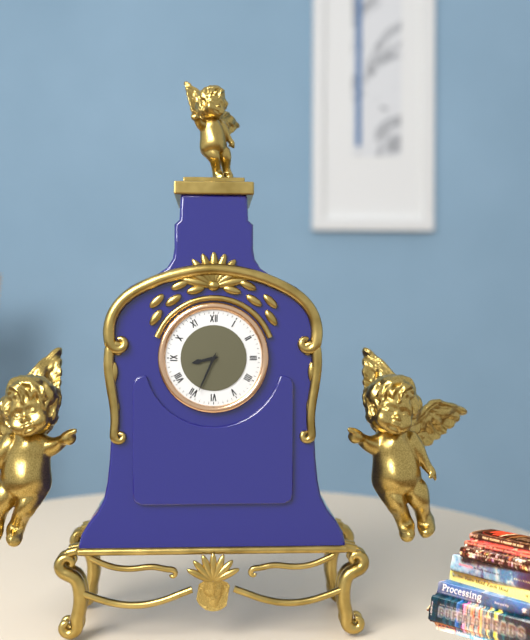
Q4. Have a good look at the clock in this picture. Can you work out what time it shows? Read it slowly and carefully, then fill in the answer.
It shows 8:34
